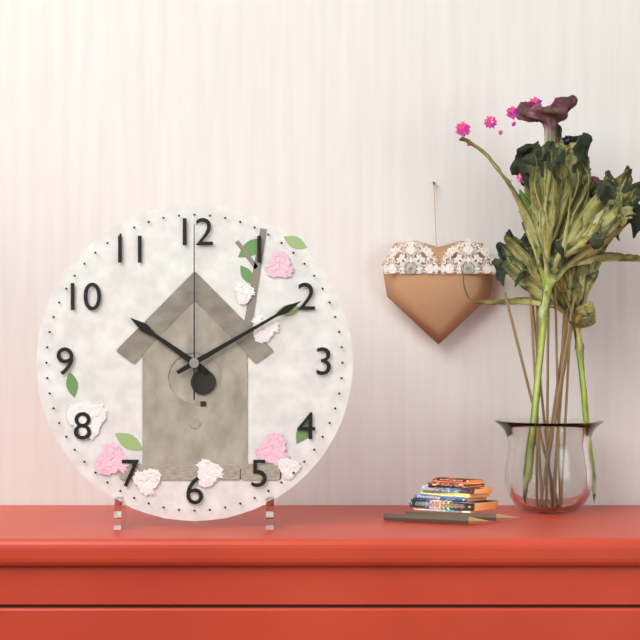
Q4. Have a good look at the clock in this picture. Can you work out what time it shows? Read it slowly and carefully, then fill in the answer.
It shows 10:10:00
